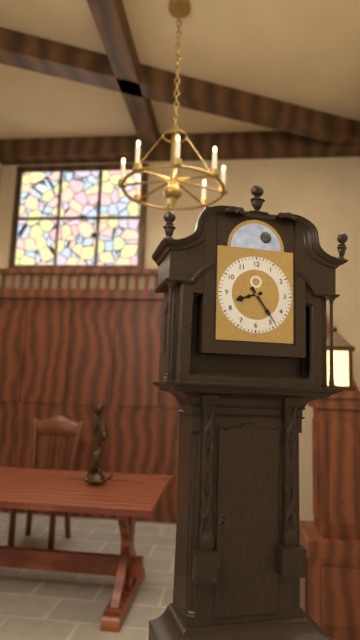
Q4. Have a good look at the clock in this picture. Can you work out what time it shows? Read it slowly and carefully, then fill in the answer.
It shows 8:24
